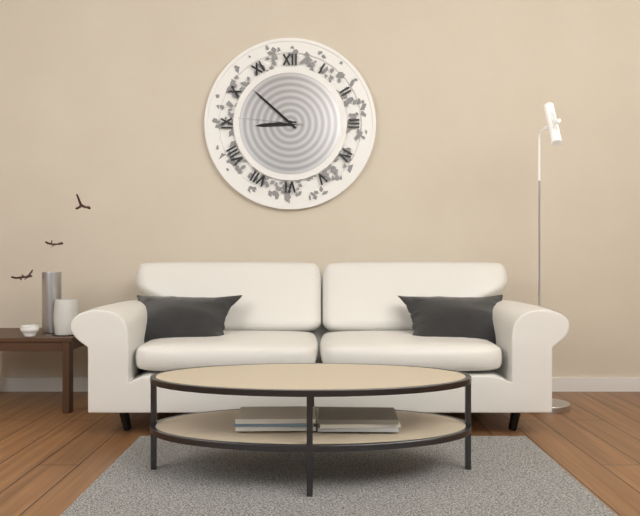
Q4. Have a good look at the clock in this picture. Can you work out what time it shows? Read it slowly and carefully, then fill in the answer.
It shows 8:52:46
